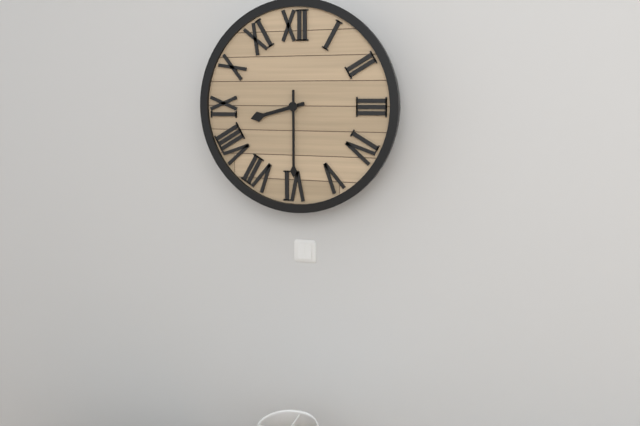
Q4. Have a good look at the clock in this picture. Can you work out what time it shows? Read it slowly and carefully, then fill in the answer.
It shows 8:30
